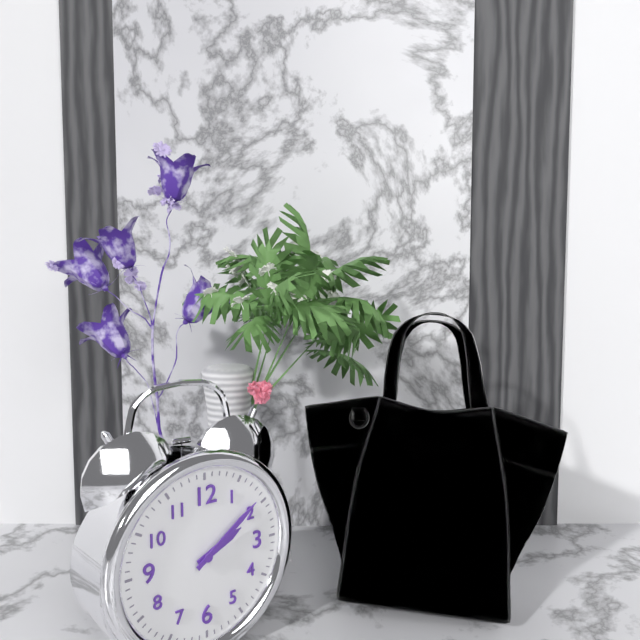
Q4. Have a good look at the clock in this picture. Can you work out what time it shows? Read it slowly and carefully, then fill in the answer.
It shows 2:09
